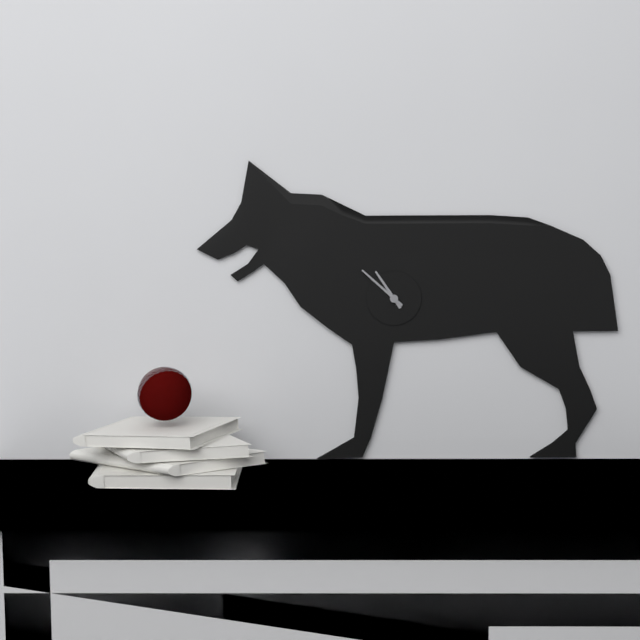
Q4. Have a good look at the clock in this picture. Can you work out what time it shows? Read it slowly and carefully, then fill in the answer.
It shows 10:52
